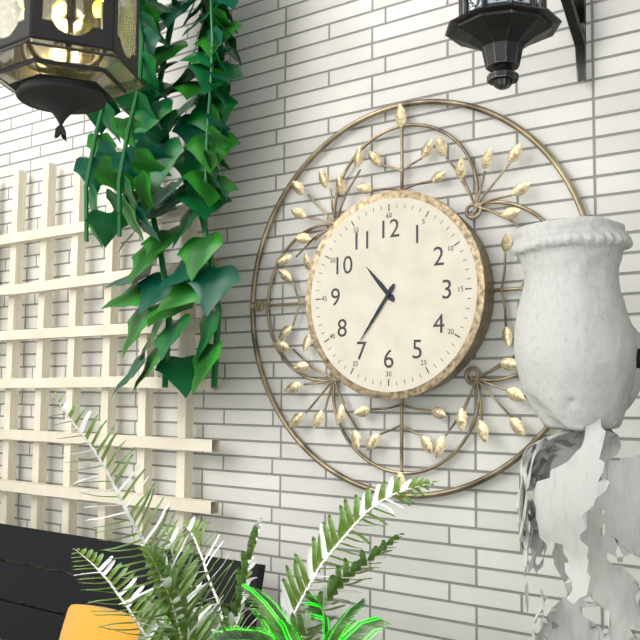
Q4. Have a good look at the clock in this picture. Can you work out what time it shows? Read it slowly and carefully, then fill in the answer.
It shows 10:36
